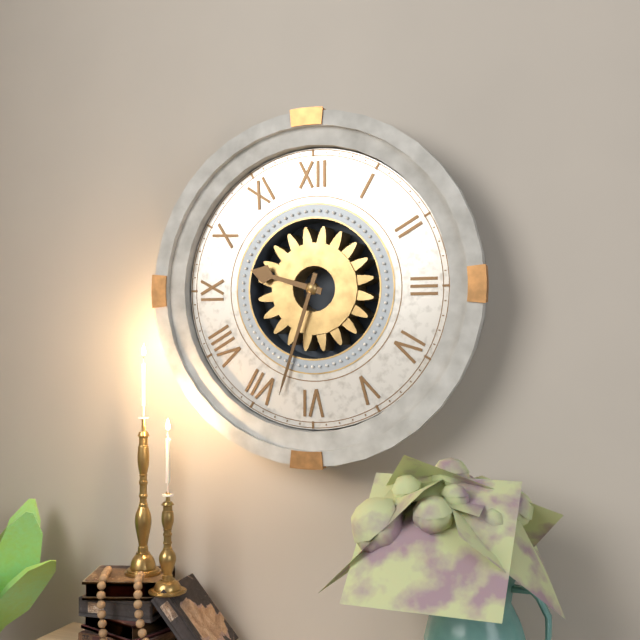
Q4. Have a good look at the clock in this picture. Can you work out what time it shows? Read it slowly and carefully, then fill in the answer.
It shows 9:33
